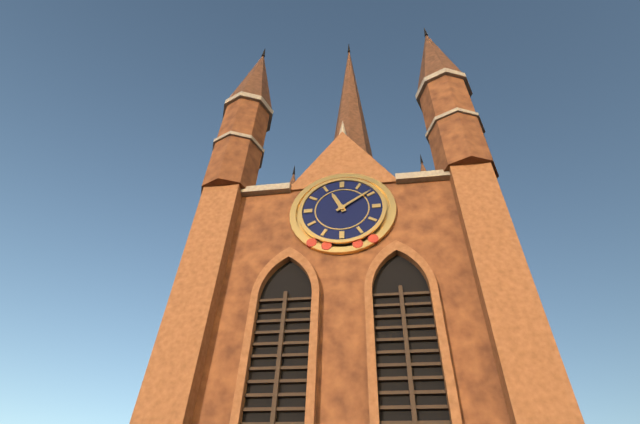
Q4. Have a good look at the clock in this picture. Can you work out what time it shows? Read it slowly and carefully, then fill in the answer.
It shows 11:09
